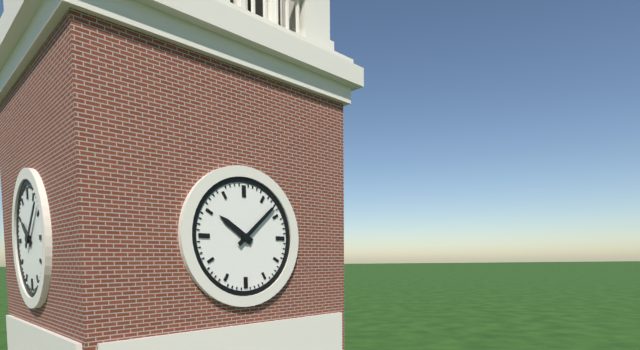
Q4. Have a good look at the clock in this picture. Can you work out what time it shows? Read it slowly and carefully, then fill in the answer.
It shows 10:08
